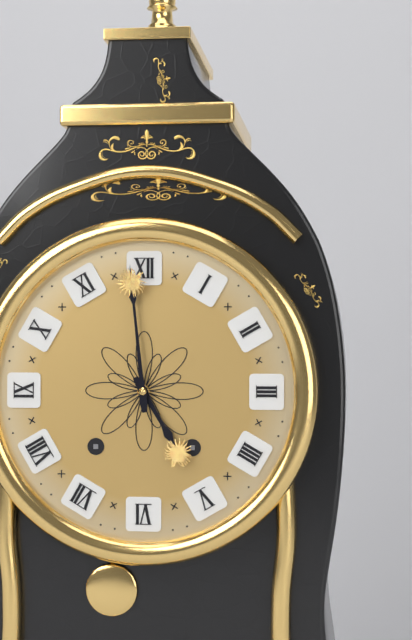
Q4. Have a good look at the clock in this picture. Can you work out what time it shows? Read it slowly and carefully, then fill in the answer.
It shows 4:59
